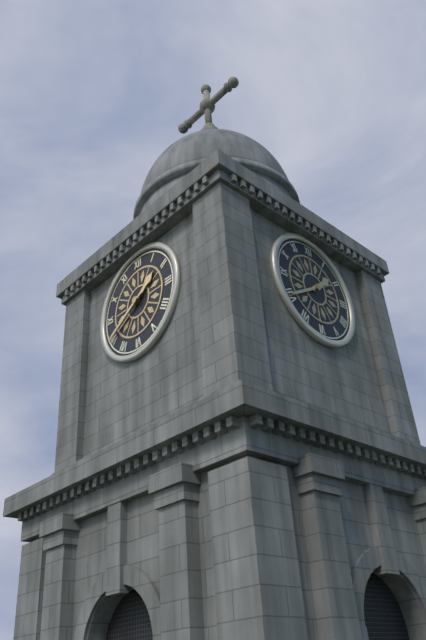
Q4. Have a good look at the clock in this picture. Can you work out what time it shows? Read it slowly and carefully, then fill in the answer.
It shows 1:40
